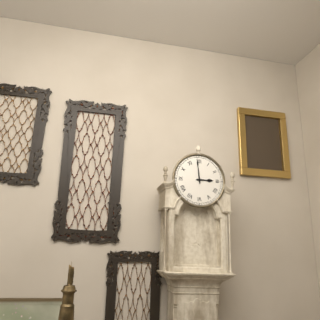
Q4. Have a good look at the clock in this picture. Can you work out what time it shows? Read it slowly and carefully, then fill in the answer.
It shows 2:59
